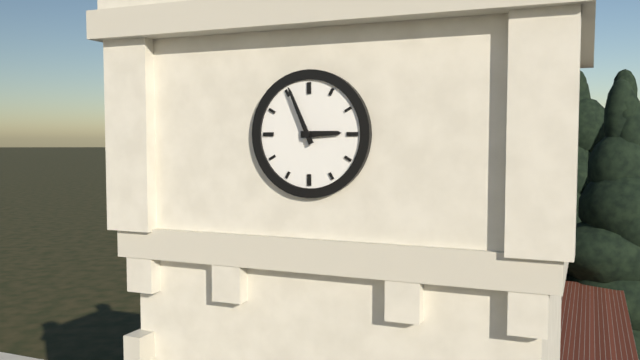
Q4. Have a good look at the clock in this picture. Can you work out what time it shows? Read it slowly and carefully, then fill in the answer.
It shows 2:56
